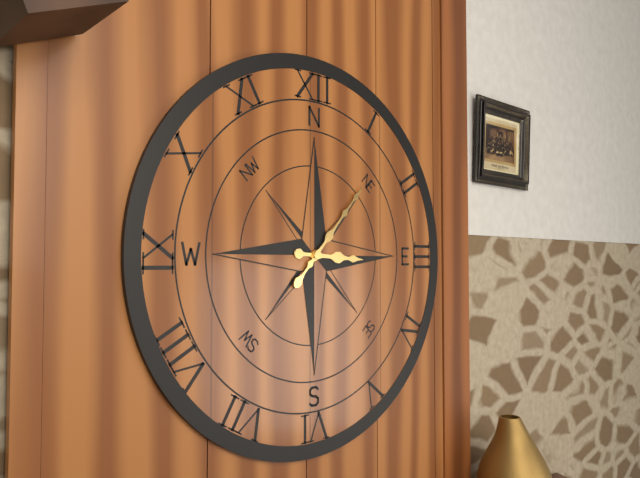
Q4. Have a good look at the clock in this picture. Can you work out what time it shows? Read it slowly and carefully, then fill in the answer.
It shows 3:07
